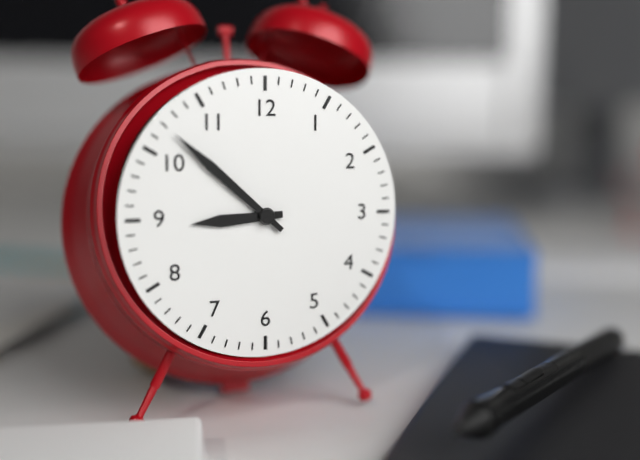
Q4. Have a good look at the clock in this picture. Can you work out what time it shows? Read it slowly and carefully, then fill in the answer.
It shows 8:52
